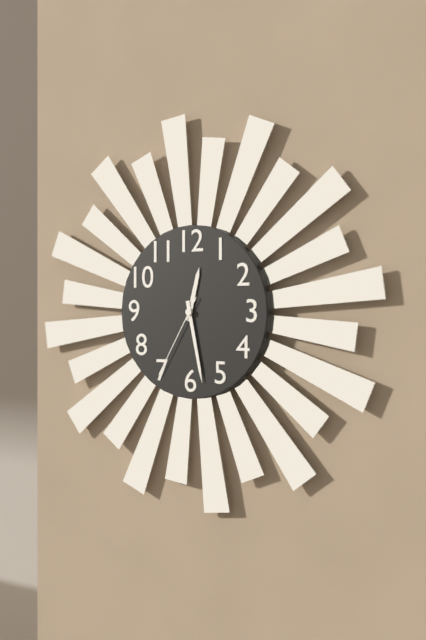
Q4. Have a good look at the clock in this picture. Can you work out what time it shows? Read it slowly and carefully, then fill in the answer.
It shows 12:28:35
